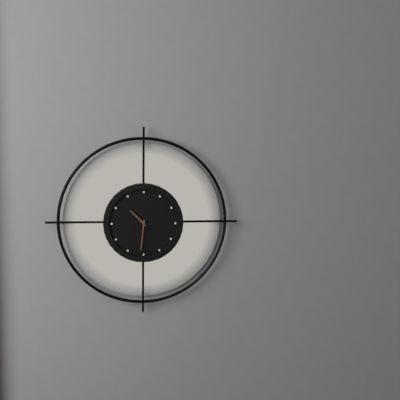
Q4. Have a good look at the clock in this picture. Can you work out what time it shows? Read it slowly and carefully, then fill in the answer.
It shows 10:31
